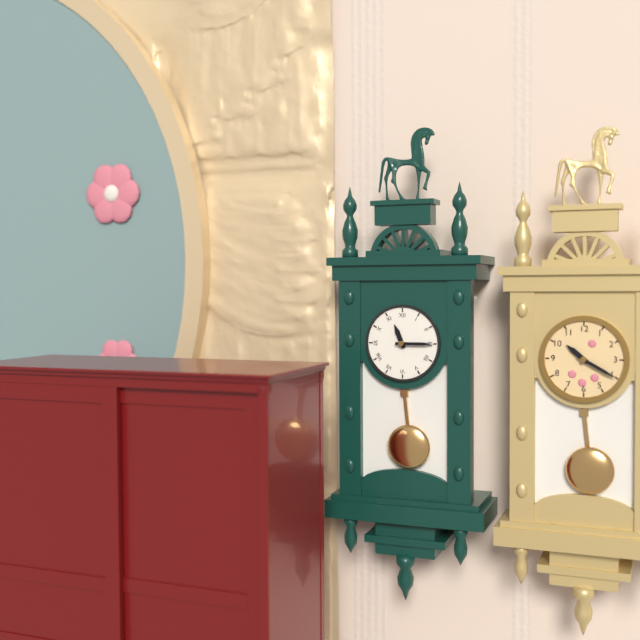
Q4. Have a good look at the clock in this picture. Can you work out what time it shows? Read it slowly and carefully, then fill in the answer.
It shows 11:15
